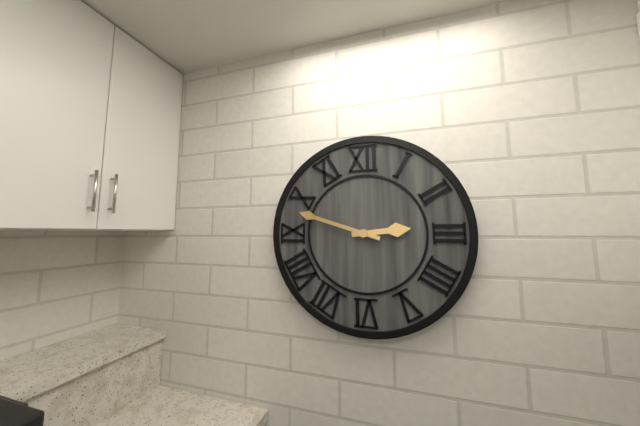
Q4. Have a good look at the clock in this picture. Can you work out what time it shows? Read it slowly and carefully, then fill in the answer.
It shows 2:48
